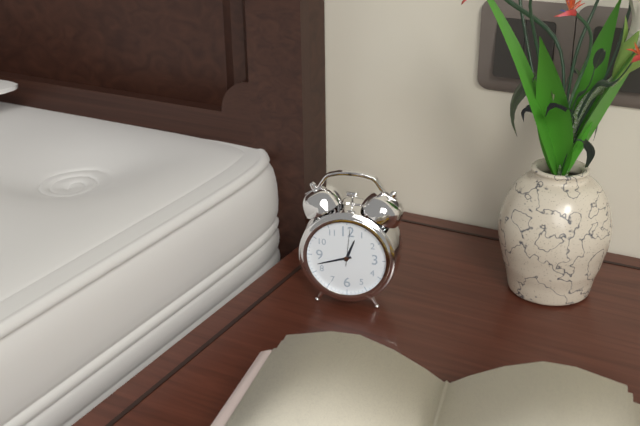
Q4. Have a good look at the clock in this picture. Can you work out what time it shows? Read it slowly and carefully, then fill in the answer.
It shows 12:42
